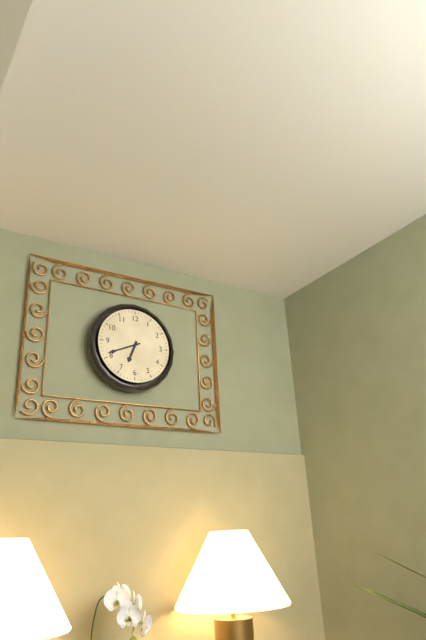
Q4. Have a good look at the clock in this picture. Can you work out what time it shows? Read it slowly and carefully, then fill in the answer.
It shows 6:41
